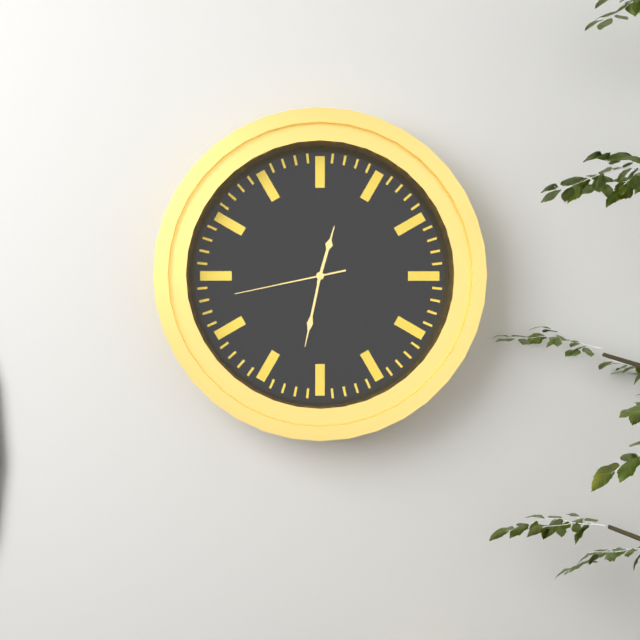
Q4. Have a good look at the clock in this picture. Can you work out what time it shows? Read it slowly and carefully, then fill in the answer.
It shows 12:32:43
